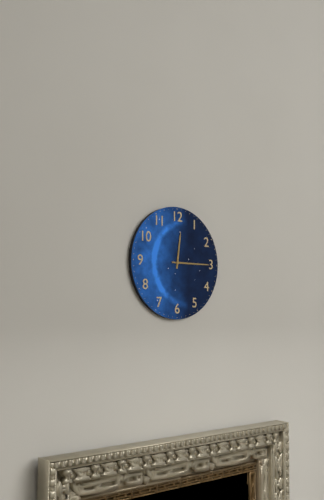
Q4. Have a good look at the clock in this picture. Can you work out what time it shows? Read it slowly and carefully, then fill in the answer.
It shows 12:15
